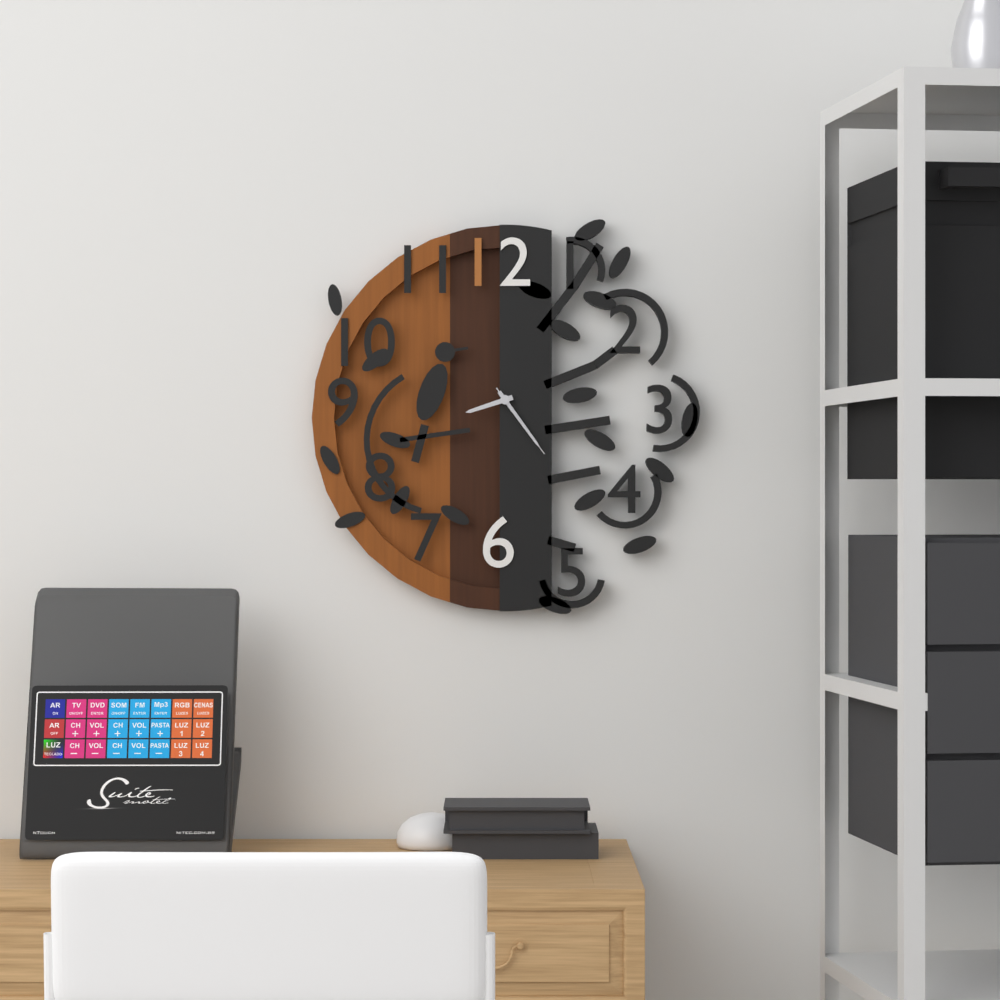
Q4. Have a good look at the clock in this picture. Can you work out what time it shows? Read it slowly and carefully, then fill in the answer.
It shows 8:24:24
